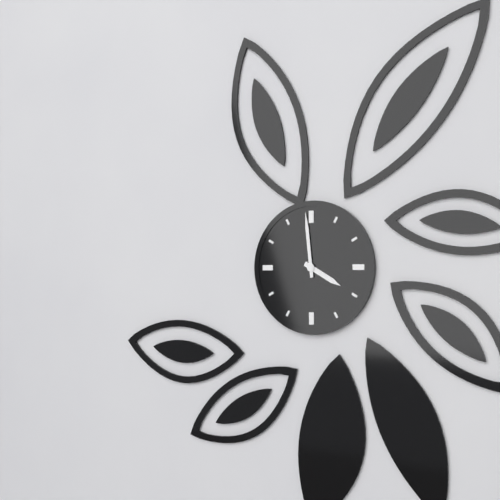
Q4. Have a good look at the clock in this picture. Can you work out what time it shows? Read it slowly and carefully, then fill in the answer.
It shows 3:59
